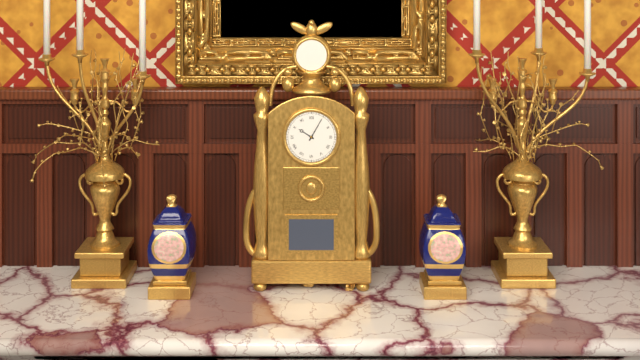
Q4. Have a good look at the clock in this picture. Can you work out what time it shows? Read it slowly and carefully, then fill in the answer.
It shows 10:05
